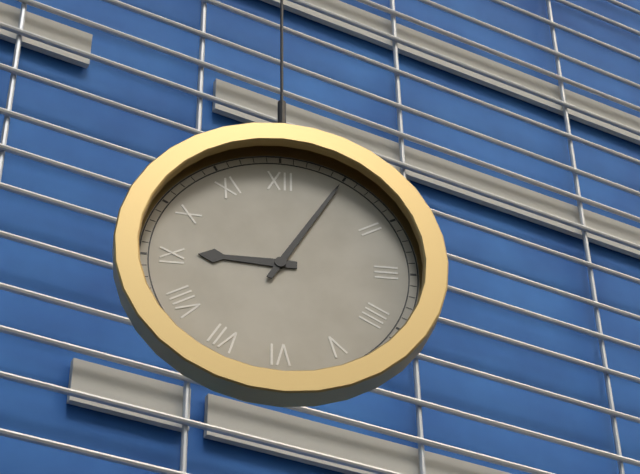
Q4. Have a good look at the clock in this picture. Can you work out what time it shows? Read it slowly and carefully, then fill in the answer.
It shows 9:05
